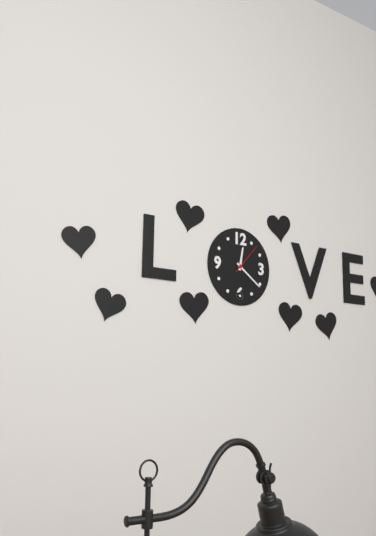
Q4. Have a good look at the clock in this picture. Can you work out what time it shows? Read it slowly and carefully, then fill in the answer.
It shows 12:21
